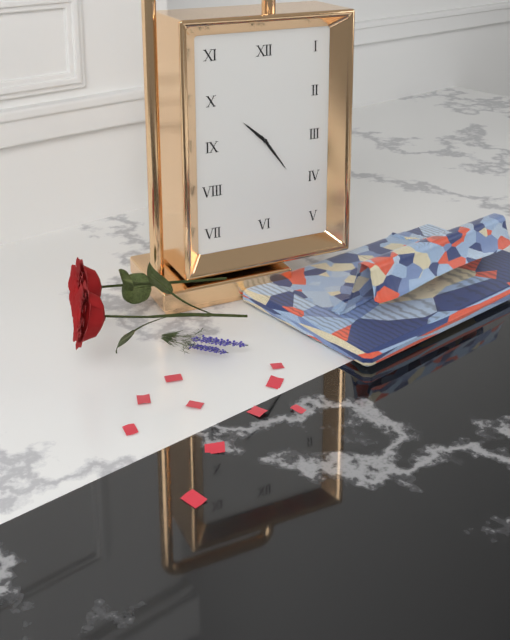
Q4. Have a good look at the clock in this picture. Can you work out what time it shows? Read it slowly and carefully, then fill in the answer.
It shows 10:24
